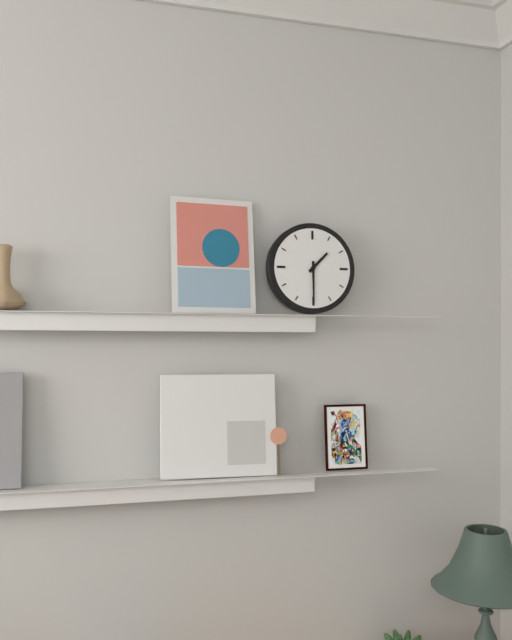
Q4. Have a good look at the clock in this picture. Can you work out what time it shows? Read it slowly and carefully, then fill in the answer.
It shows 1:30
